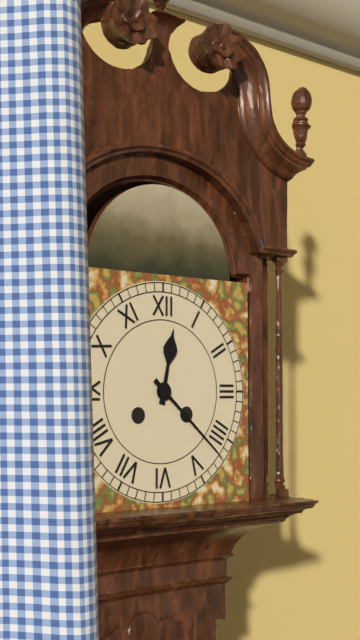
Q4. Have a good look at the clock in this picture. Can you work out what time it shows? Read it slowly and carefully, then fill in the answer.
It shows 12:22
